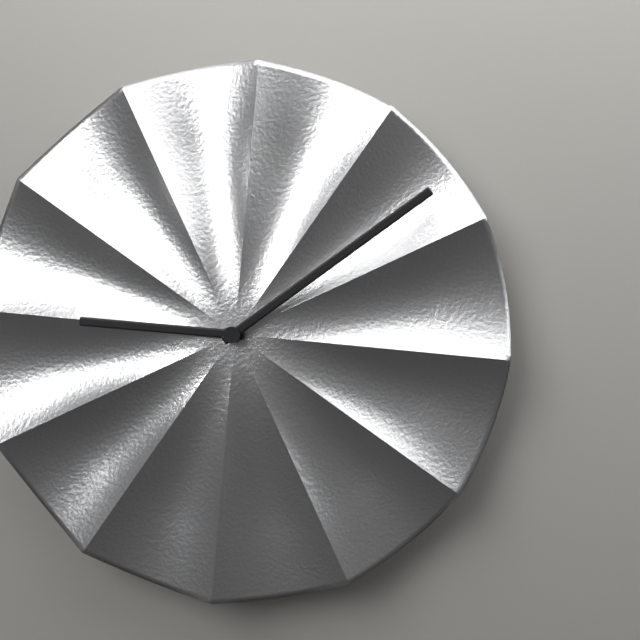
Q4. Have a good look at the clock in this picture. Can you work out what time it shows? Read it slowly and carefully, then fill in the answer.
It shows 9:09
